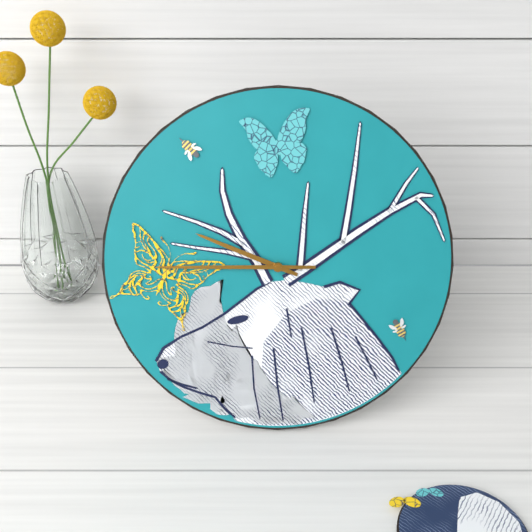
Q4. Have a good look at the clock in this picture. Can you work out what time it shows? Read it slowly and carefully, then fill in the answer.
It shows 9:45
